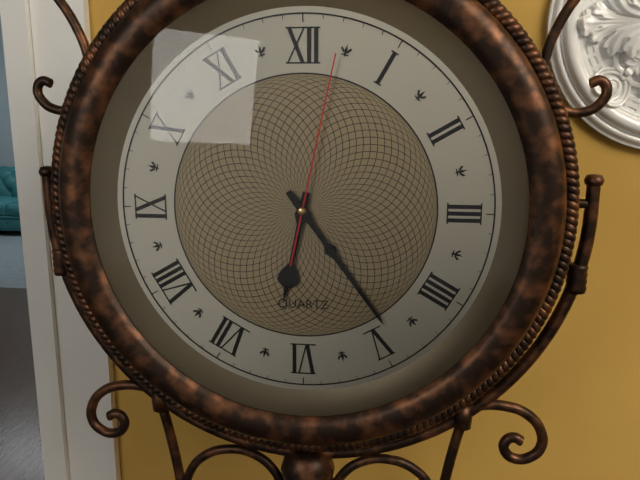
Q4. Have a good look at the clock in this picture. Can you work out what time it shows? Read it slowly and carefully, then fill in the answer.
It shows 6:24:02
